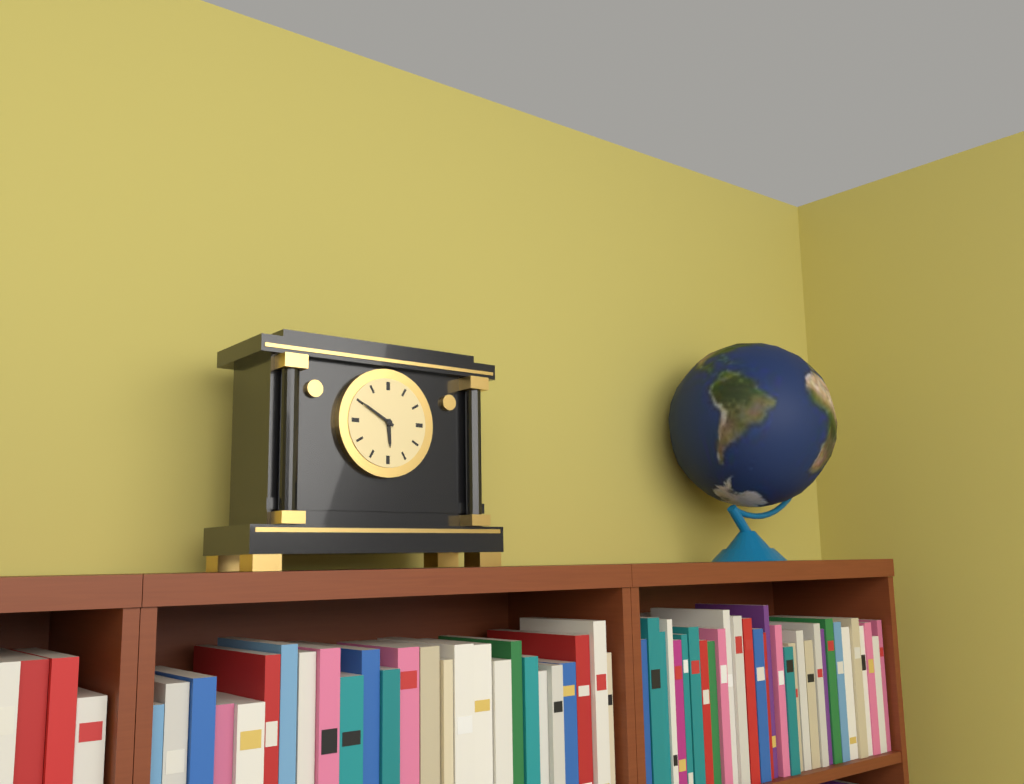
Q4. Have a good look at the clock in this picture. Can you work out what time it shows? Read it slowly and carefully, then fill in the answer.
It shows 5:50
